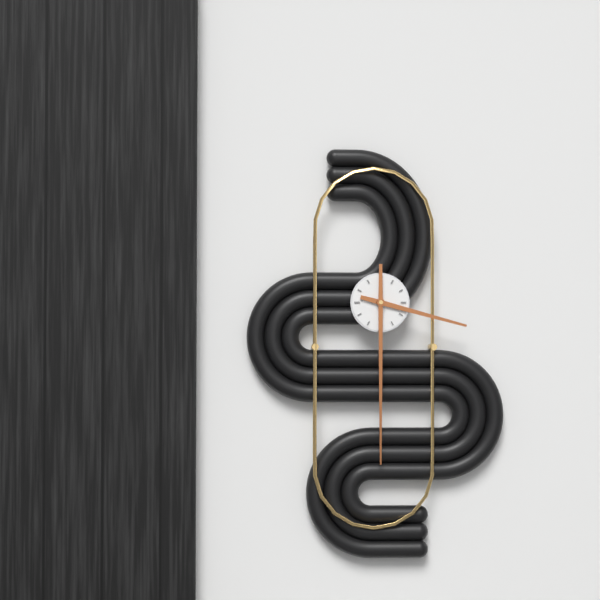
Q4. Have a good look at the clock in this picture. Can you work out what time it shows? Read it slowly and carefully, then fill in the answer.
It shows 3:30
